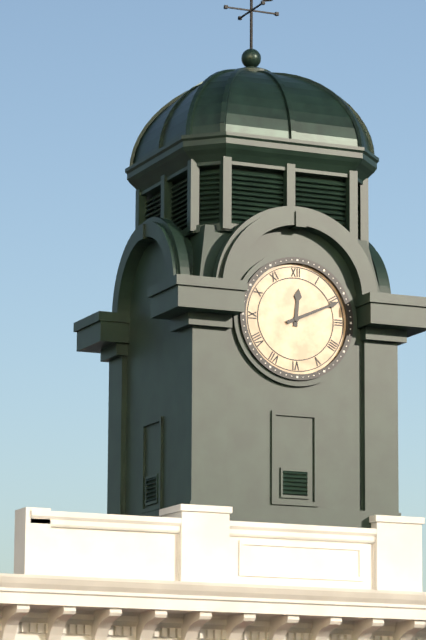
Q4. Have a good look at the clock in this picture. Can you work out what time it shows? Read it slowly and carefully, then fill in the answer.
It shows 12:11
